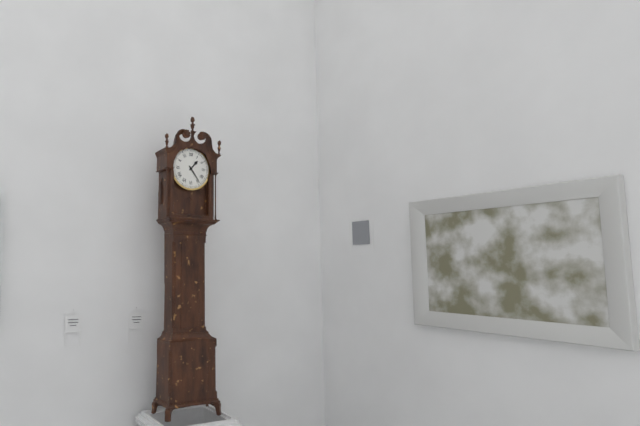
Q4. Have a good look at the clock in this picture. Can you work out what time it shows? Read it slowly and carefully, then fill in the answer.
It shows 1:24
